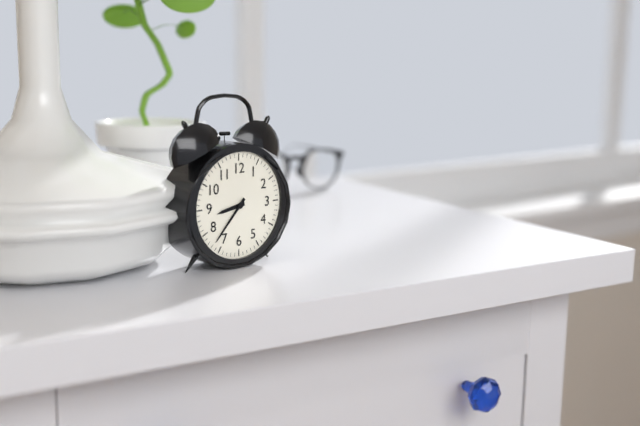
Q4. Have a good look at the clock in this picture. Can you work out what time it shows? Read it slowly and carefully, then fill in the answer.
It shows 8:37
